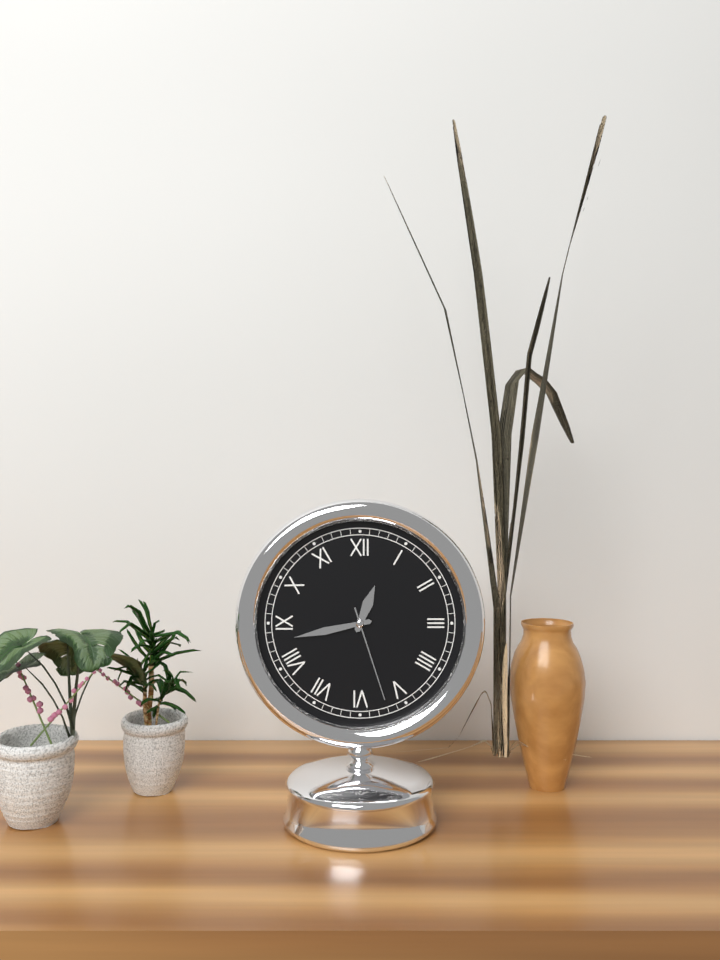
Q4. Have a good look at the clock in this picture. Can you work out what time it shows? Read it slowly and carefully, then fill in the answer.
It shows 12:43:27
